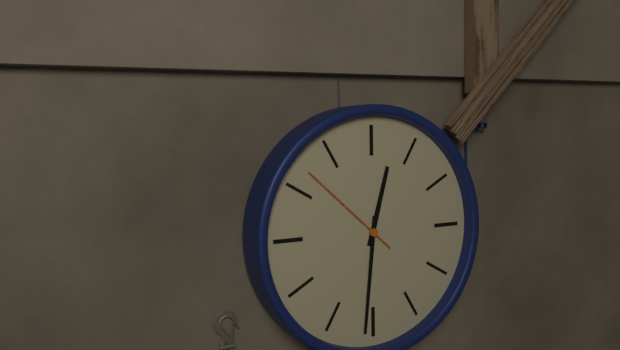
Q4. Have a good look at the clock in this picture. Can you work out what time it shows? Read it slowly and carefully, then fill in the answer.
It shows 12:31:52
